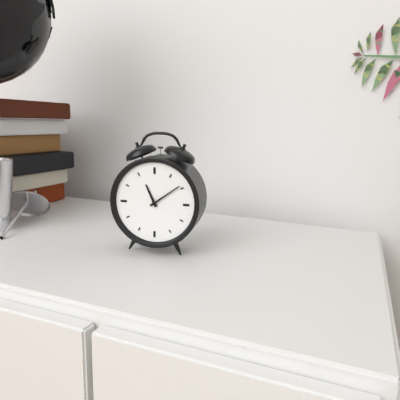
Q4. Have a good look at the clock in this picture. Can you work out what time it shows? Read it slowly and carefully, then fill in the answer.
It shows 11:09
